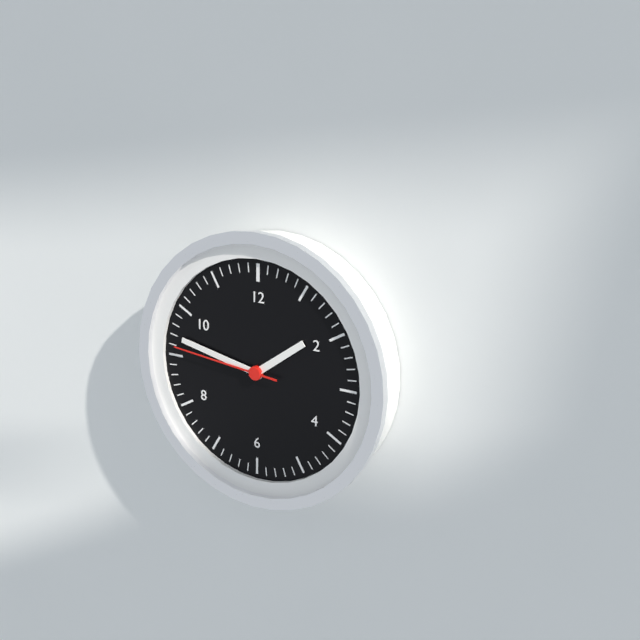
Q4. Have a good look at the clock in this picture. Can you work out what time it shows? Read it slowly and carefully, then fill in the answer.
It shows 1:47:46
